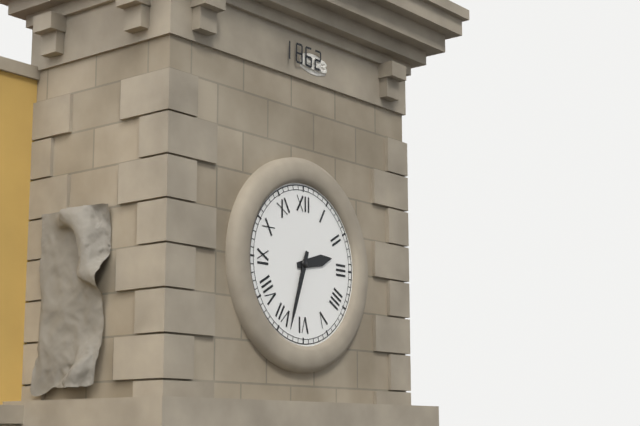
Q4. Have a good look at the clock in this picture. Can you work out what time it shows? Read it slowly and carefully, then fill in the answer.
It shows 2:33
